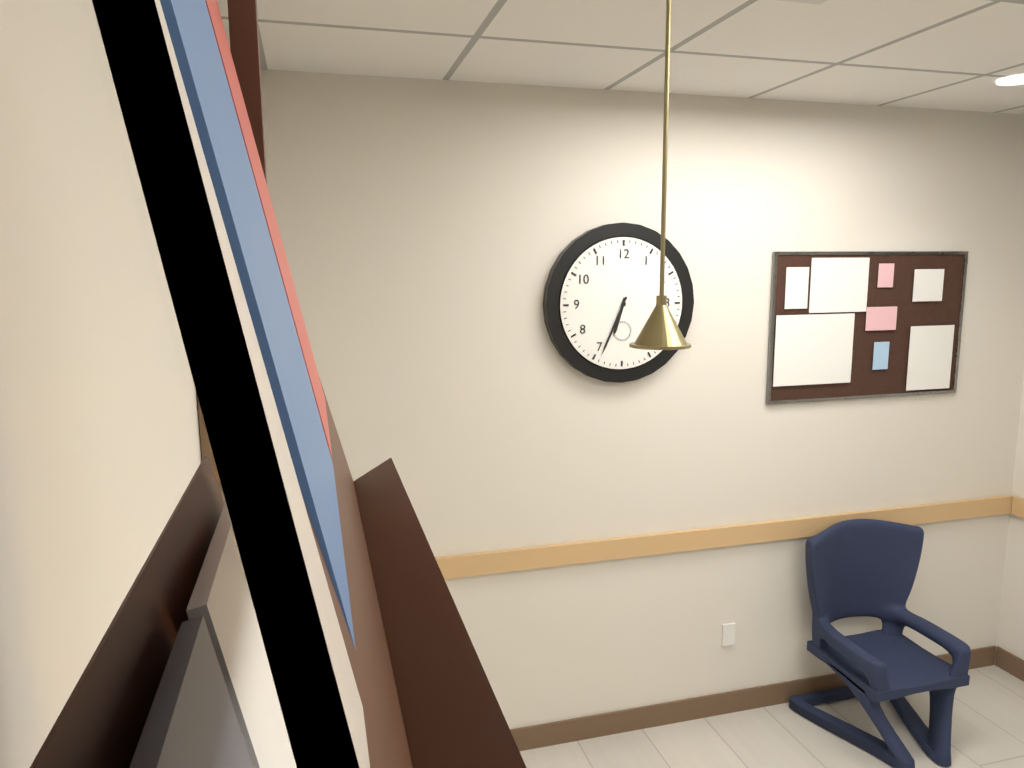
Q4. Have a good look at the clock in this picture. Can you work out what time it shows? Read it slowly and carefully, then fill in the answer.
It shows 6:34
